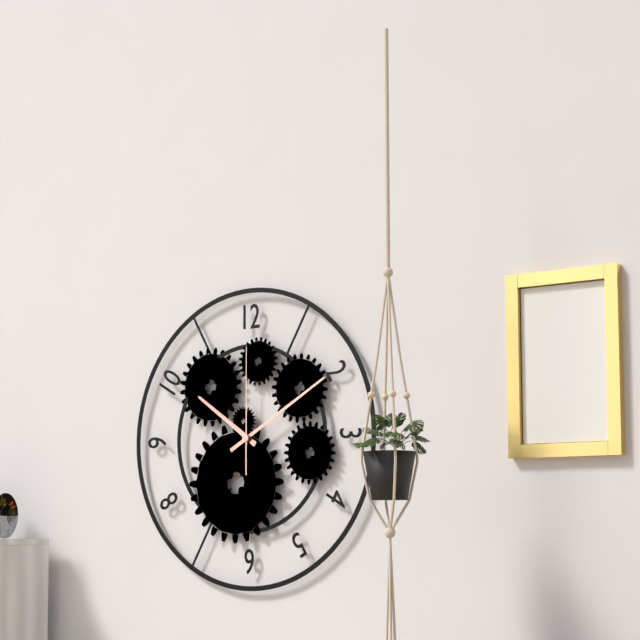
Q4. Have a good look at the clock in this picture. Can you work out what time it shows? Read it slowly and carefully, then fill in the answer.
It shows 10:10:00
